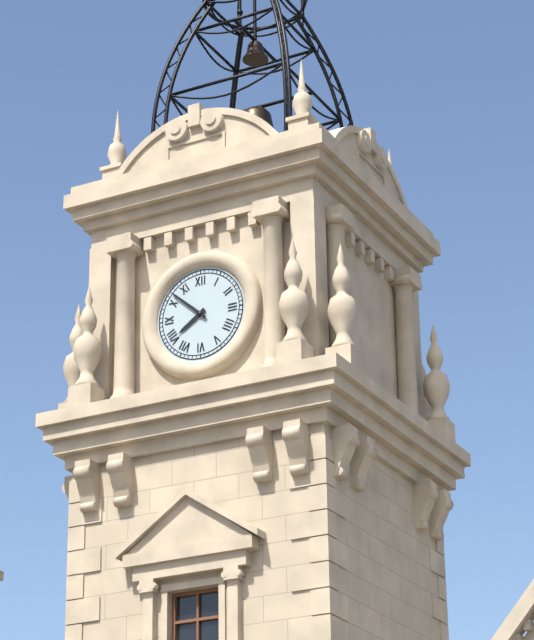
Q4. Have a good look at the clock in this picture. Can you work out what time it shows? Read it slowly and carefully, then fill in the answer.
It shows 7:52
